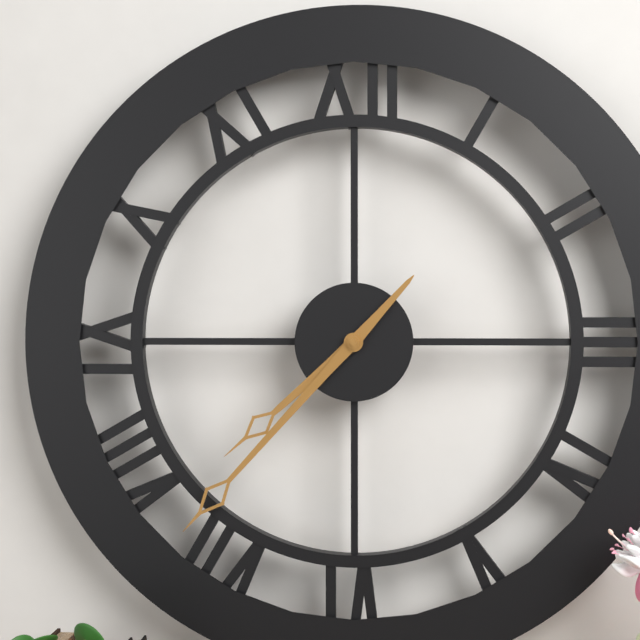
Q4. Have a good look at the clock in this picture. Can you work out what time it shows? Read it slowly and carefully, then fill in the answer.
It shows 7:37
